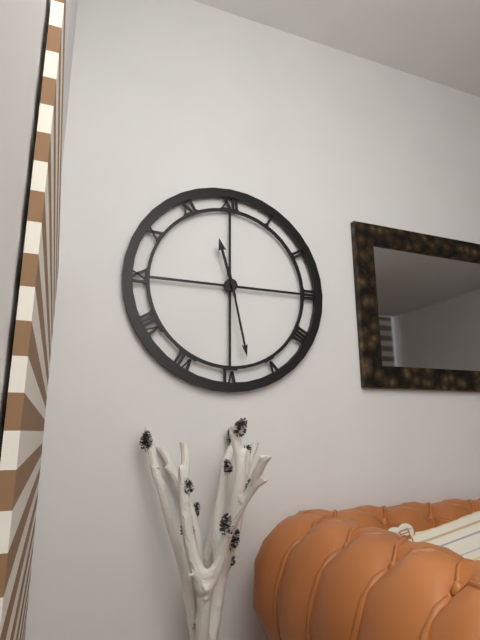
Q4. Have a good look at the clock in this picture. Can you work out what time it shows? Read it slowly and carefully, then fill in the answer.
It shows 11:28
